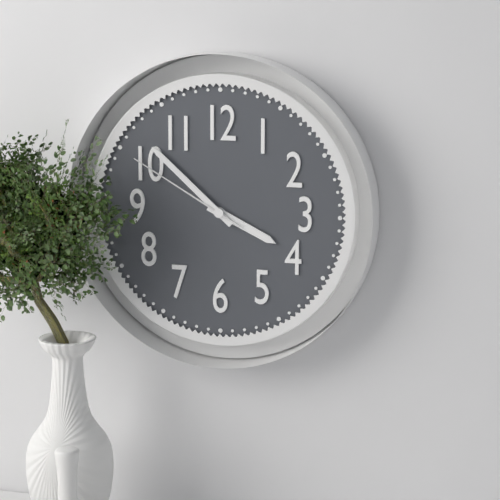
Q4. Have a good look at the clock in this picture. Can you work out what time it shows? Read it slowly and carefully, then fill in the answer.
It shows 3:52:50
